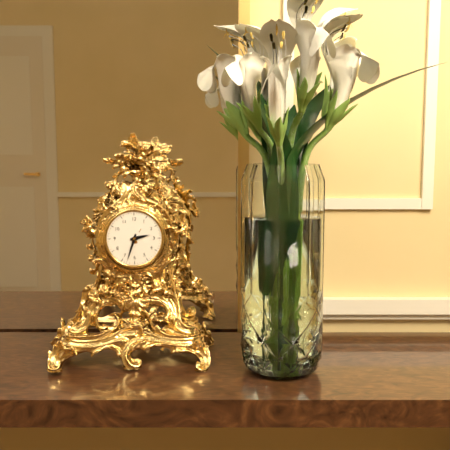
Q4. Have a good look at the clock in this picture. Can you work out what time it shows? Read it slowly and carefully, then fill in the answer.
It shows 2:33
